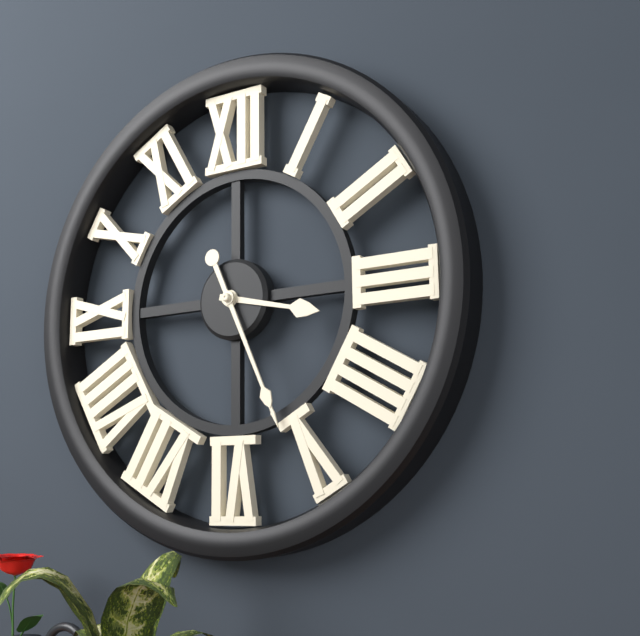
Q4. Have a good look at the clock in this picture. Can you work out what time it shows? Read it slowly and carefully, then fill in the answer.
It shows 3:26
